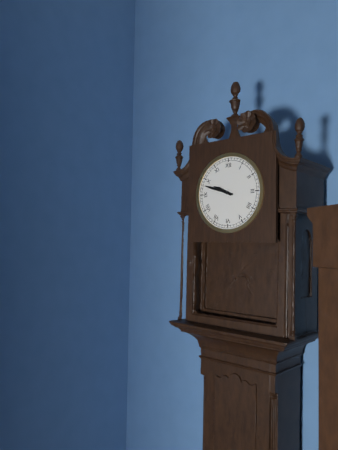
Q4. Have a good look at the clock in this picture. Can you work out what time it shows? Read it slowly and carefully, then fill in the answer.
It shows 9:48
